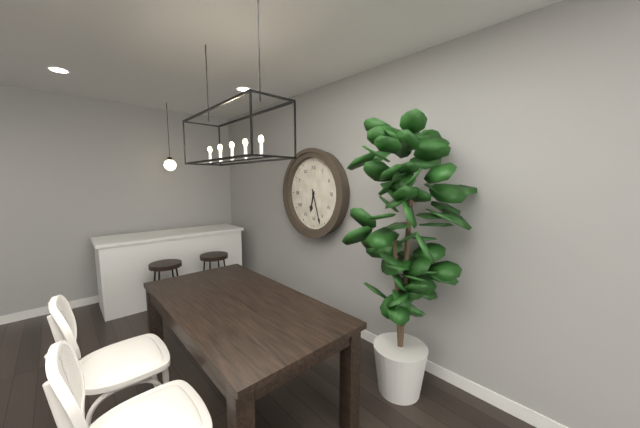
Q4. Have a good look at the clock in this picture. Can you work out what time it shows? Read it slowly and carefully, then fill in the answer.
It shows 6:27
